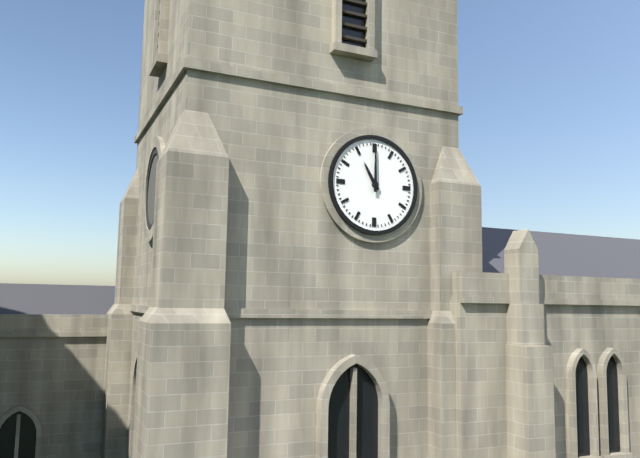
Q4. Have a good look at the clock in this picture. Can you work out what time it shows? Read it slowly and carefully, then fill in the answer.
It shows 11:00
